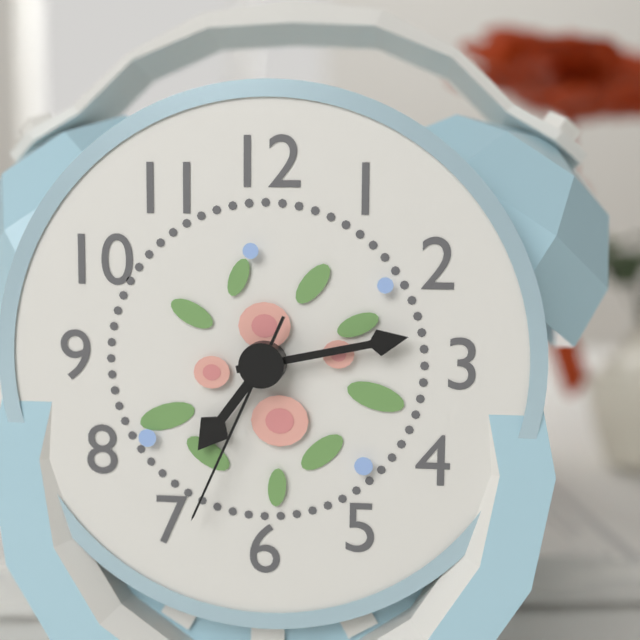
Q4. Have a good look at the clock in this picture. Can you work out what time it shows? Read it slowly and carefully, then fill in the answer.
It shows 7:13:34
